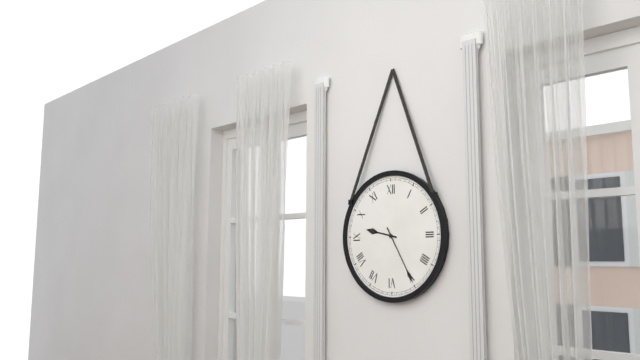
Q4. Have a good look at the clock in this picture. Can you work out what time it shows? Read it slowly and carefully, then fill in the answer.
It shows 9:25
